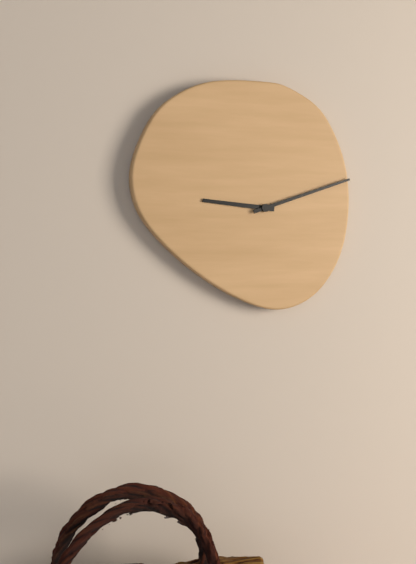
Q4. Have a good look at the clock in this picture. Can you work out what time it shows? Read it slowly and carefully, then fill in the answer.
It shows 9:12
